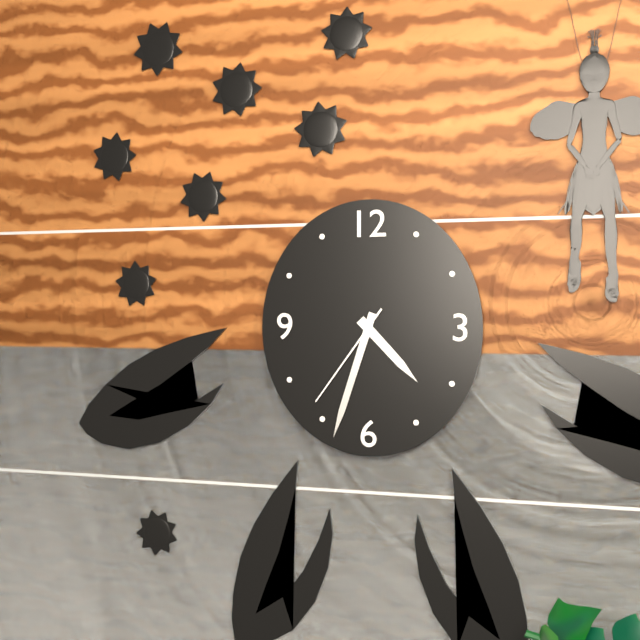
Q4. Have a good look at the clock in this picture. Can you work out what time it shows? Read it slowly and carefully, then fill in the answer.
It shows 4:33:36
